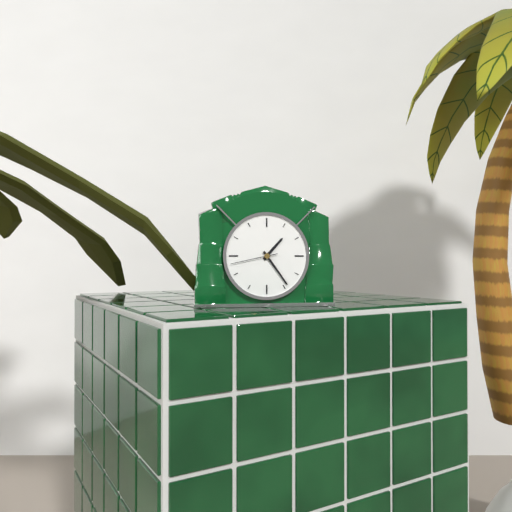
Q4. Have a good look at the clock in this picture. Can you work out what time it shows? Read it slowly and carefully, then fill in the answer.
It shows 1:24
